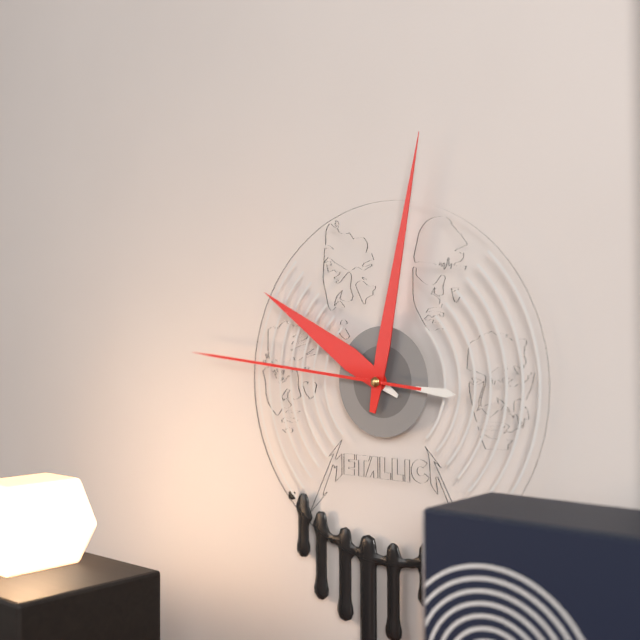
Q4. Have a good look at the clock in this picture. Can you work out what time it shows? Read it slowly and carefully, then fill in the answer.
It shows 10:02:46
